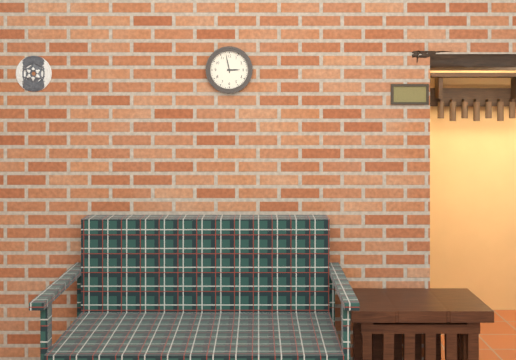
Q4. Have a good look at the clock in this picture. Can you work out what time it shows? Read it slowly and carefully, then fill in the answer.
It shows 2:58
